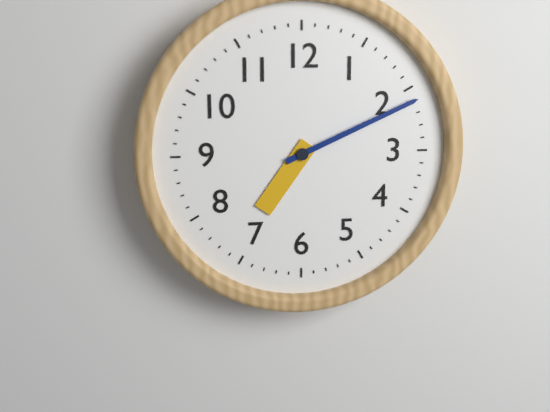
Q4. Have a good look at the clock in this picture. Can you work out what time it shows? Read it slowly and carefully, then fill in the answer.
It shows 7:11
